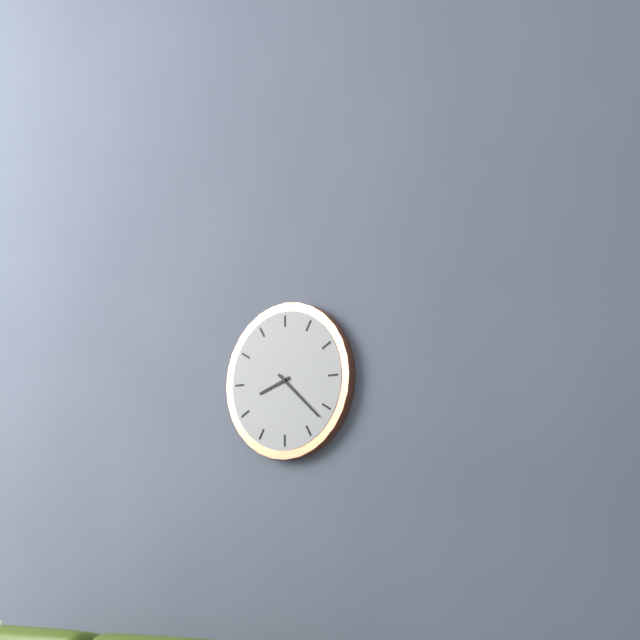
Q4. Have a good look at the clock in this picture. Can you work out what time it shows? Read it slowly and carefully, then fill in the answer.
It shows 8:22
